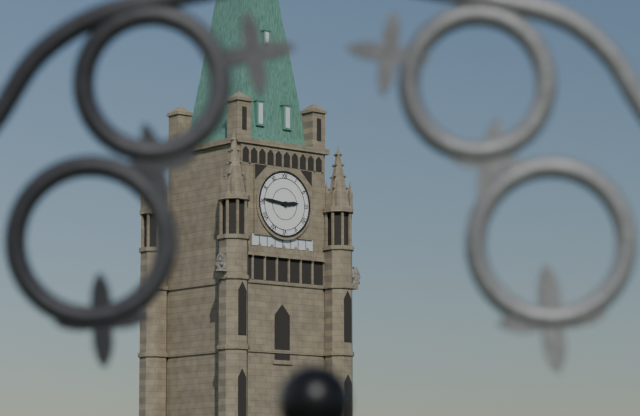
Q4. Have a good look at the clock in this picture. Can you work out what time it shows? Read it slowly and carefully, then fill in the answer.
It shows 2:46
